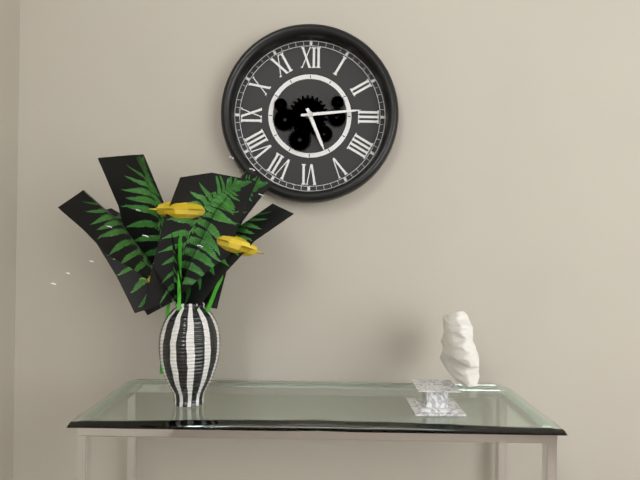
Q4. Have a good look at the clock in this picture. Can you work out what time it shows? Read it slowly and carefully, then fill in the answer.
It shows 5:14
